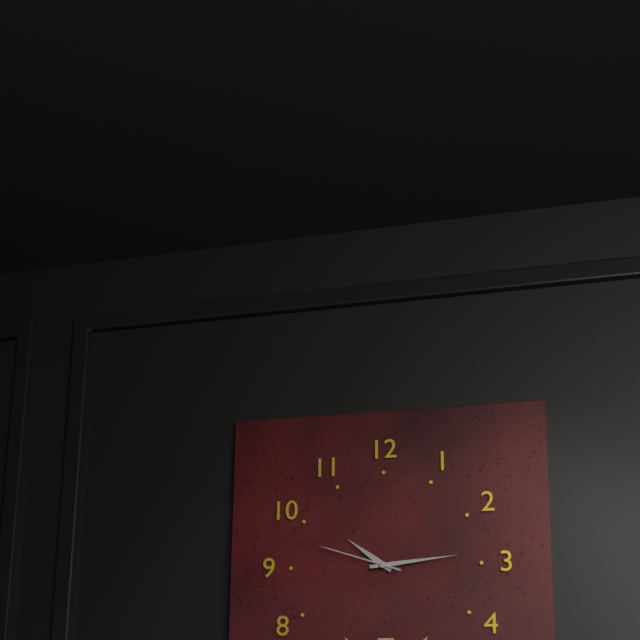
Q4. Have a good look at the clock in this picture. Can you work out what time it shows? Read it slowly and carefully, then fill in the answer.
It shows 10:14:48
